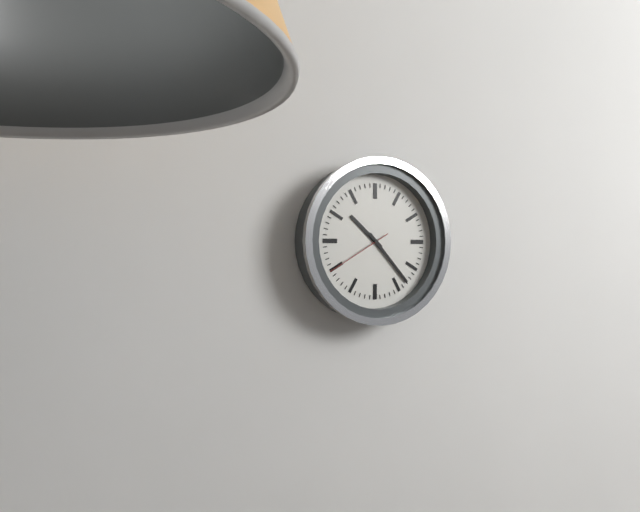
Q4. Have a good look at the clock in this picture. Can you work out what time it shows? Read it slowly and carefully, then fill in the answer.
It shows 10:23:40
